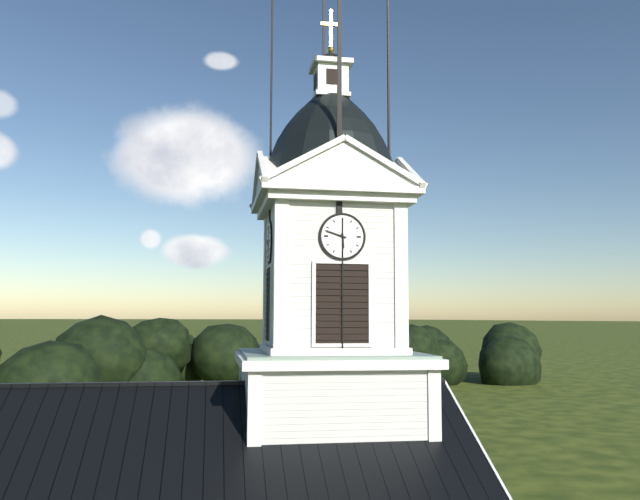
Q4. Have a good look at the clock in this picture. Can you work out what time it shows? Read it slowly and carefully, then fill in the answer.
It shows 5:48
